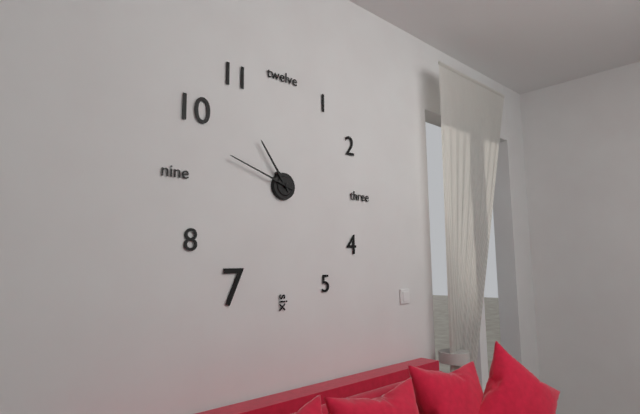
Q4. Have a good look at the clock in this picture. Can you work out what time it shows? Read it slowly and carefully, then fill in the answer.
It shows 10:48
